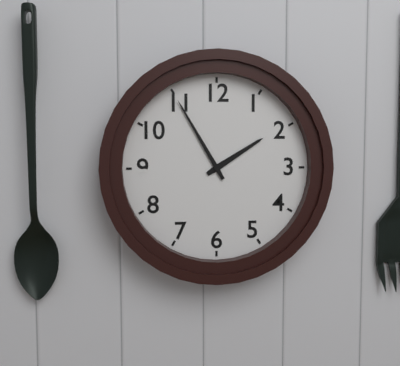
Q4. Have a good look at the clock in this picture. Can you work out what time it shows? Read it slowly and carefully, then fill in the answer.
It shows 1:55
